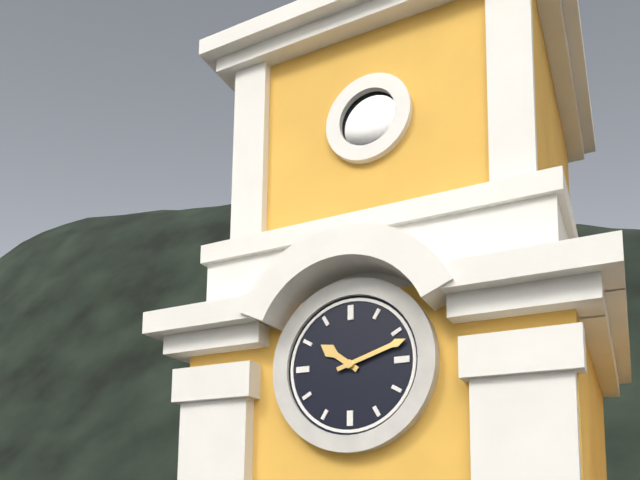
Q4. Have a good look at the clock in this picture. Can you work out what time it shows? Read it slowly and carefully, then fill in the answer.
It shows 10:12
